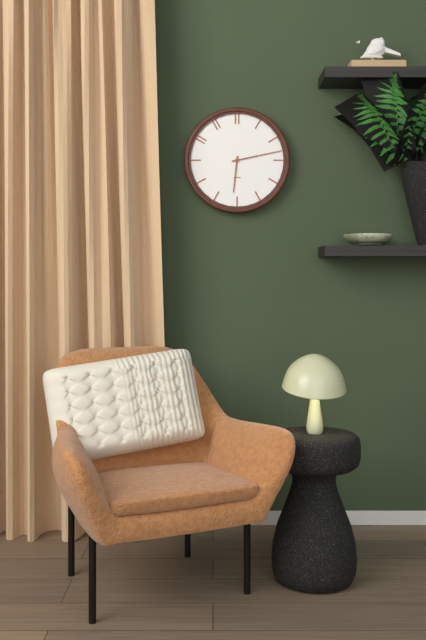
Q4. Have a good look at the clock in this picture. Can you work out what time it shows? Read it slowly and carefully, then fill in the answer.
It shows 6:13
